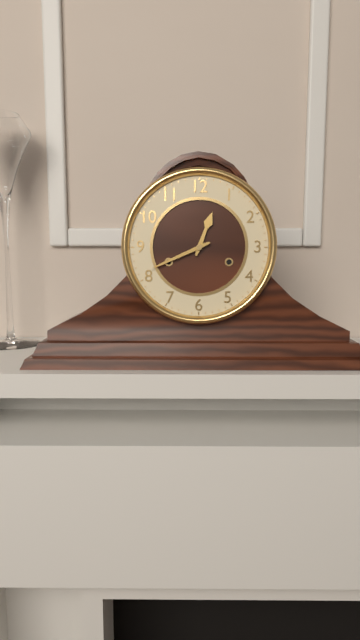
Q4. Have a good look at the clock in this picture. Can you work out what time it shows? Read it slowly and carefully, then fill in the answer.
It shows 12:41
